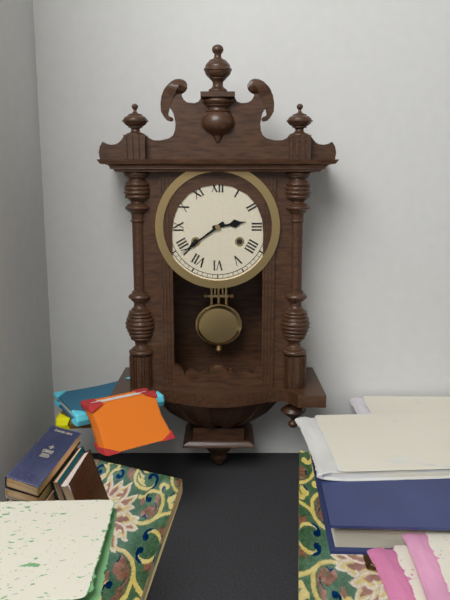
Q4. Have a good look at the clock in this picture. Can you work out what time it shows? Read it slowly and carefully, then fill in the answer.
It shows 2:39
